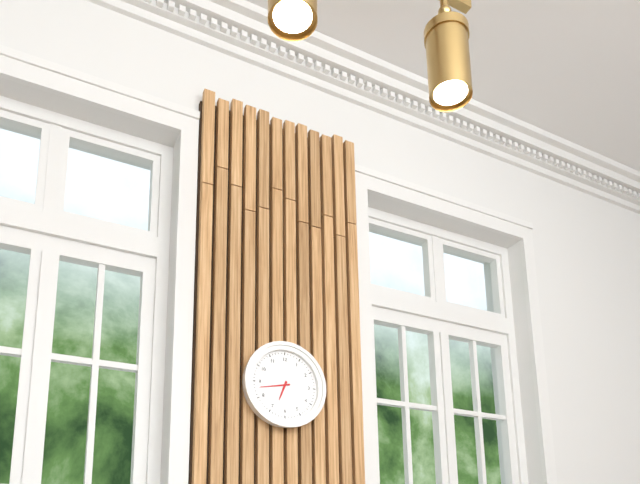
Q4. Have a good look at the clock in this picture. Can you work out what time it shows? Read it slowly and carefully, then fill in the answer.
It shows 6:43
